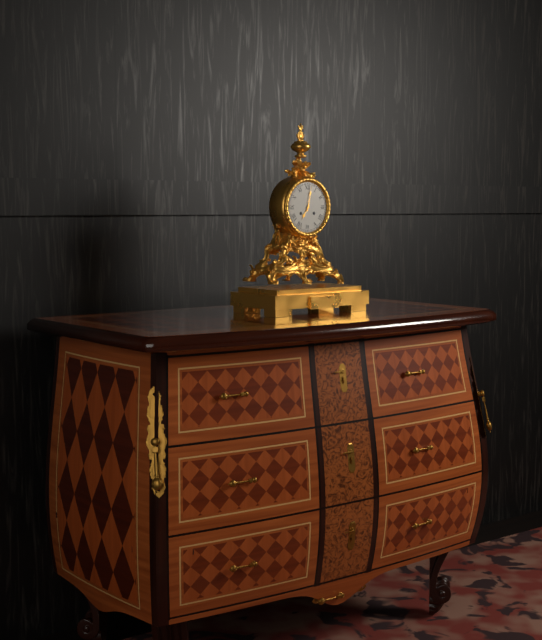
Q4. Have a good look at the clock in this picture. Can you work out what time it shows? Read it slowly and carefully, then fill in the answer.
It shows 7:02
